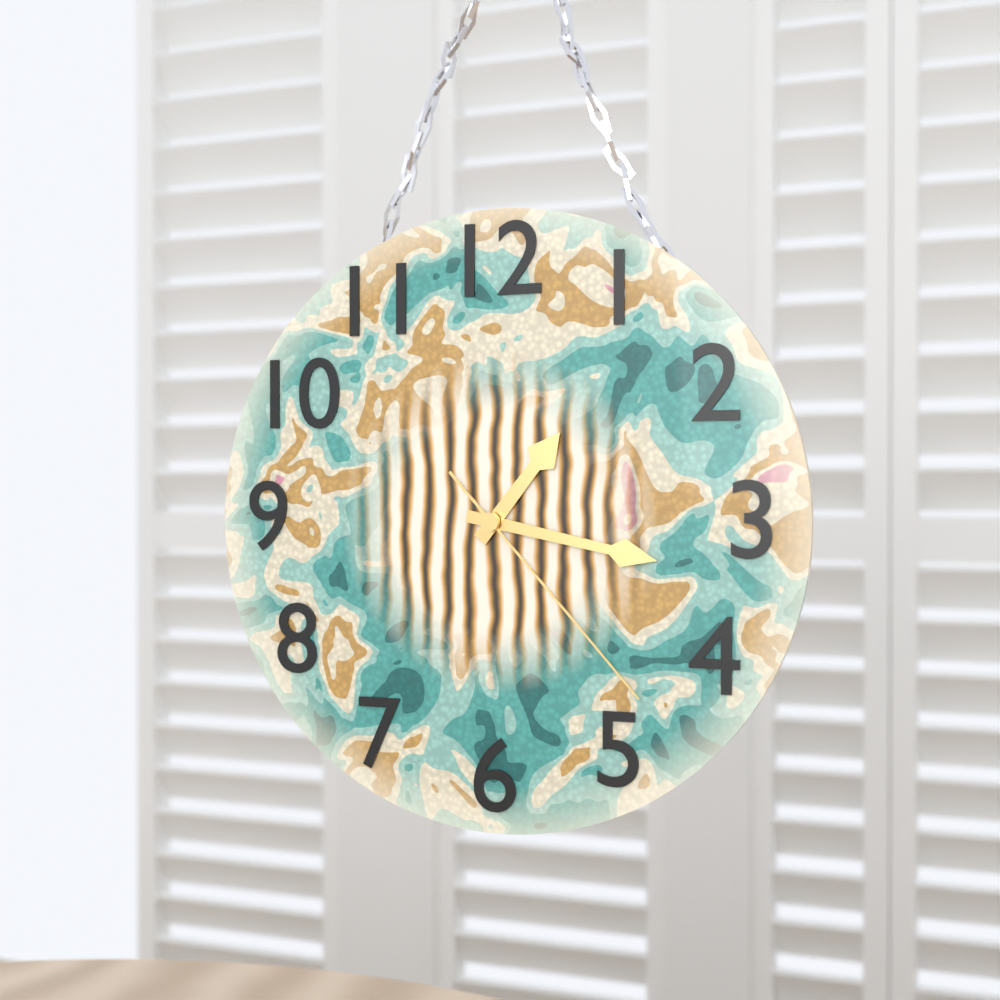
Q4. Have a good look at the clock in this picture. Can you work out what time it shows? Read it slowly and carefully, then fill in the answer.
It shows 1:17:23
